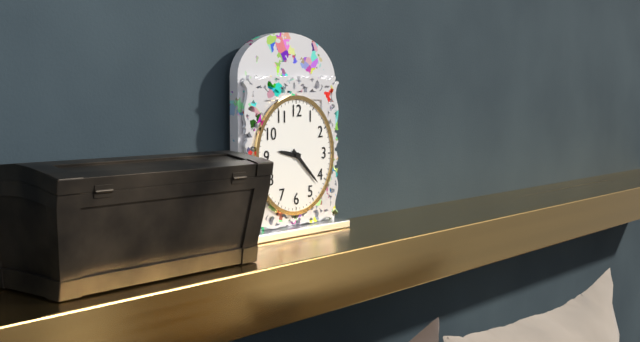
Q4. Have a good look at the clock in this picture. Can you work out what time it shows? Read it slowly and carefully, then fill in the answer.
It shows 9:22
